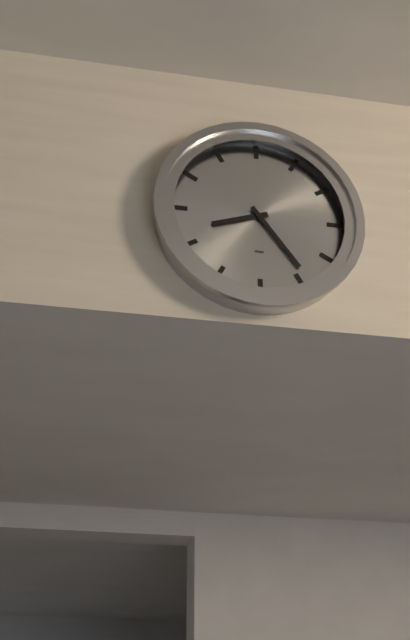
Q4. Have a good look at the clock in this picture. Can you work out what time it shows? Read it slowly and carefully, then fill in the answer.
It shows 8:24
